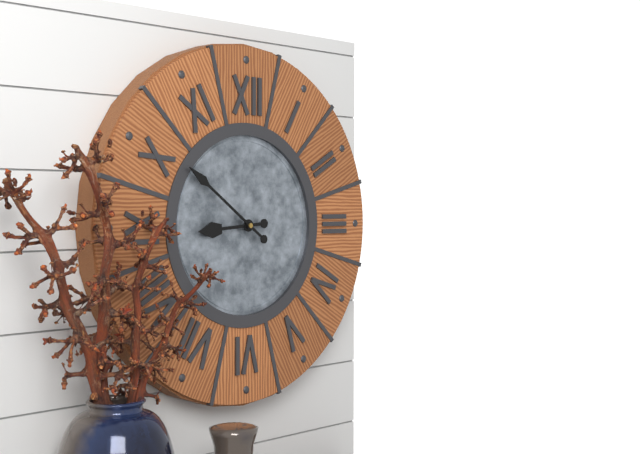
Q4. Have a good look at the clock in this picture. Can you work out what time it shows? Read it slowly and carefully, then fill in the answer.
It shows 8:51
